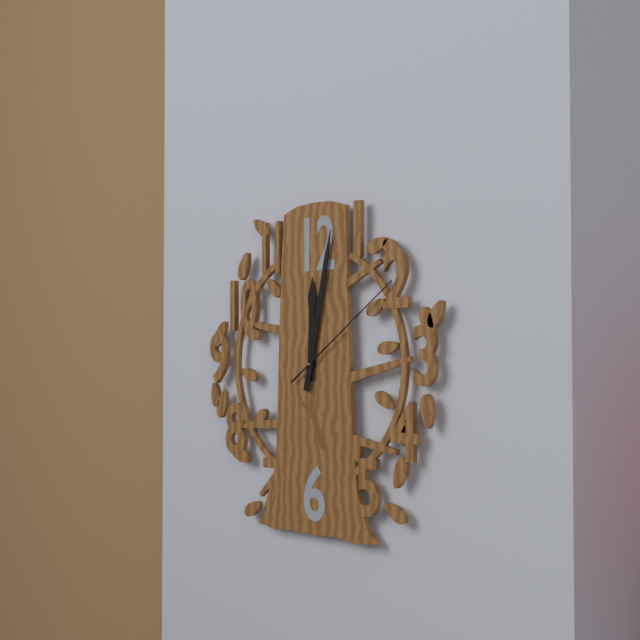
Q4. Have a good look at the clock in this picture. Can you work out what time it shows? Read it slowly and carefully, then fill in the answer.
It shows 12:02:09
